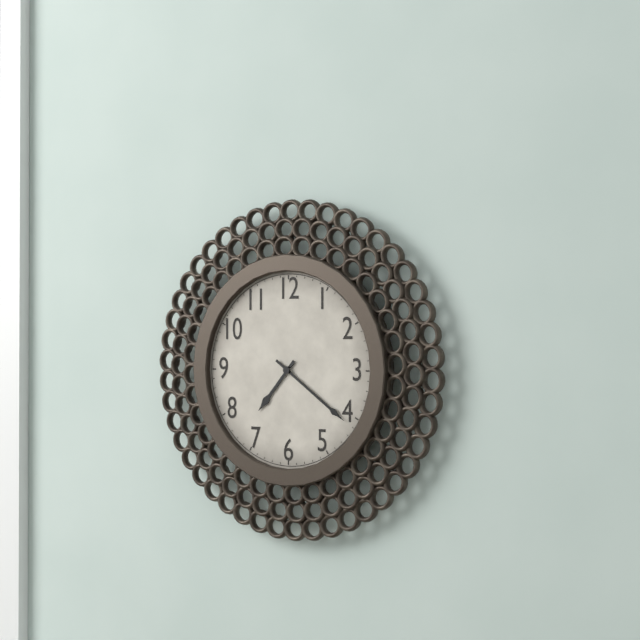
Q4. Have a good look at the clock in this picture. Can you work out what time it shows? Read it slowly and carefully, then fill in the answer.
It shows 7:21
